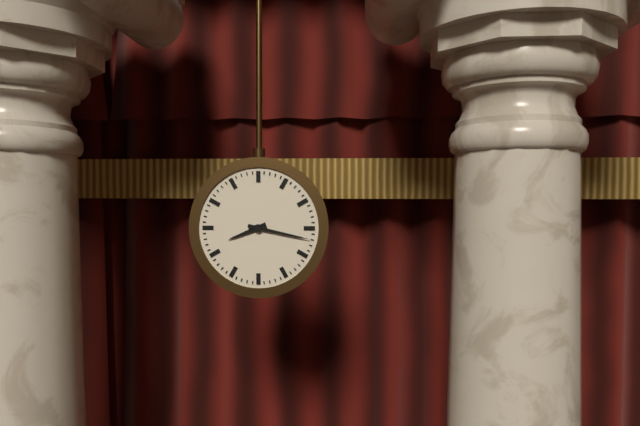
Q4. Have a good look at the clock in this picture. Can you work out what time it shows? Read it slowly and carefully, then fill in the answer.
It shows 8:17
